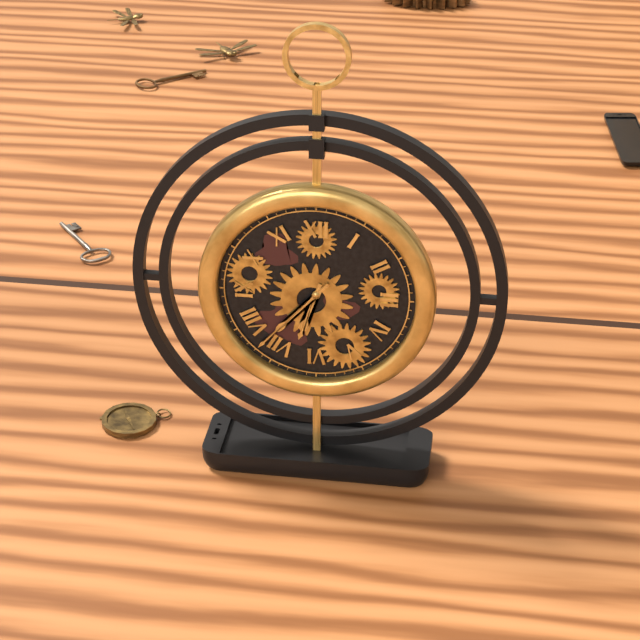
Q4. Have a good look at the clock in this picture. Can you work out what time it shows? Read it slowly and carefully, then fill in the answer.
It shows 6:37
